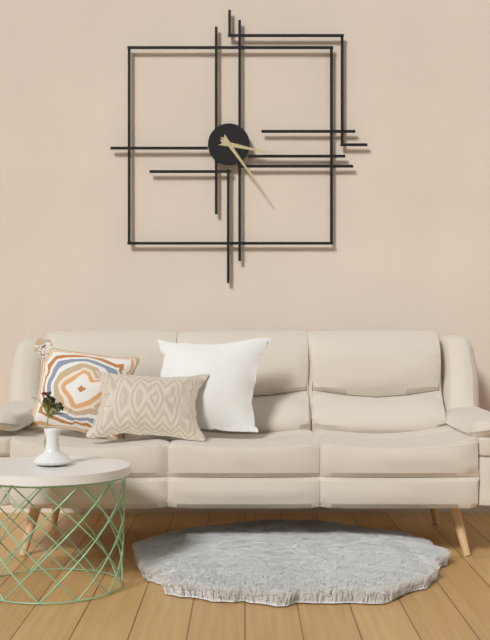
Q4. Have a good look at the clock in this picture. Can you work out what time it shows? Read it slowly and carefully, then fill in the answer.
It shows 3:24
